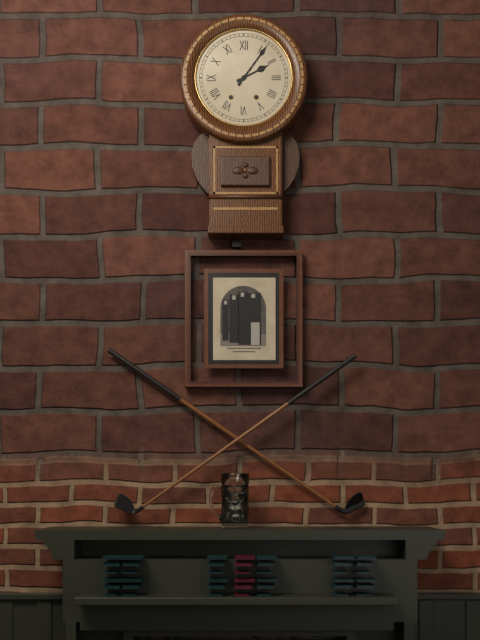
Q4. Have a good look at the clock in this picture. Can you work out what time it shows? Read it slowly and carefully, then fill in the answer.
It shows 2:06
